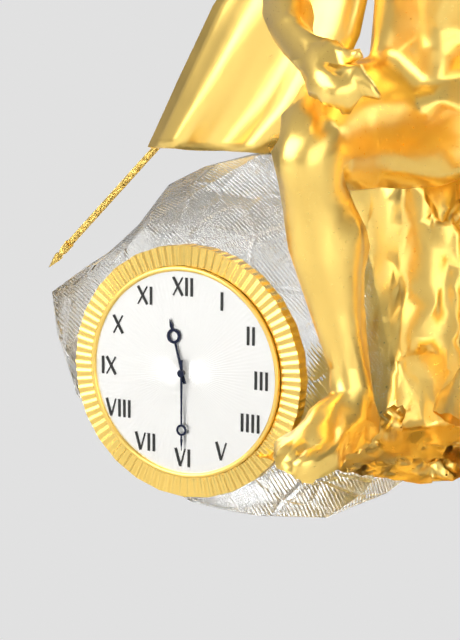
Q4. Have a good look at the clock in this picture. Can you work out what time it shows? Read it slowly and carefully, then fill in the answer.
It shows 11:30
